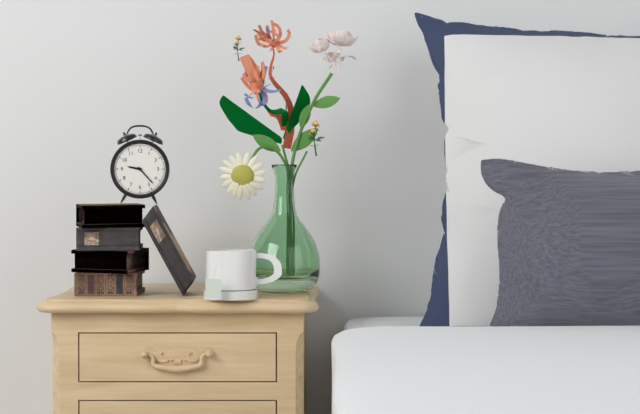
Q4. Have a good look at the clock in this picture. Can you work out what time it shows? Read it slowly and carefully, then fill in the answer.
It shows 9:23
